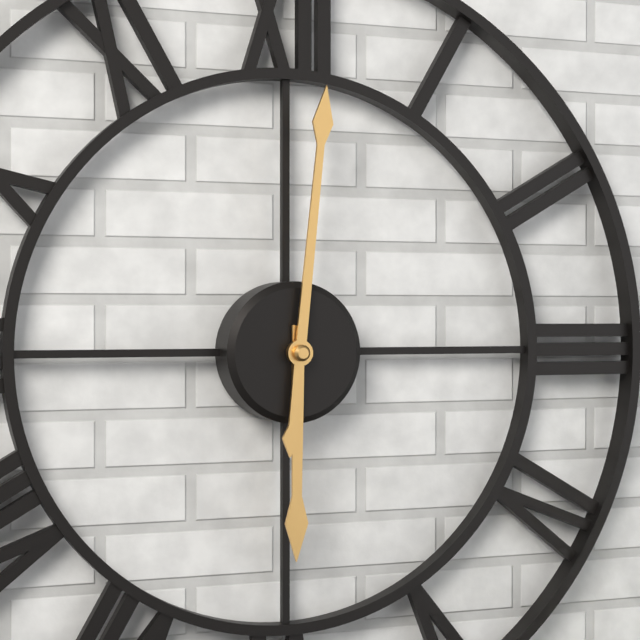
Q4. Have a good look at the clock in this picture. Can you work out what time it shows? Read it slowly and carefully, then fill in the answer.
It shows 6:01
